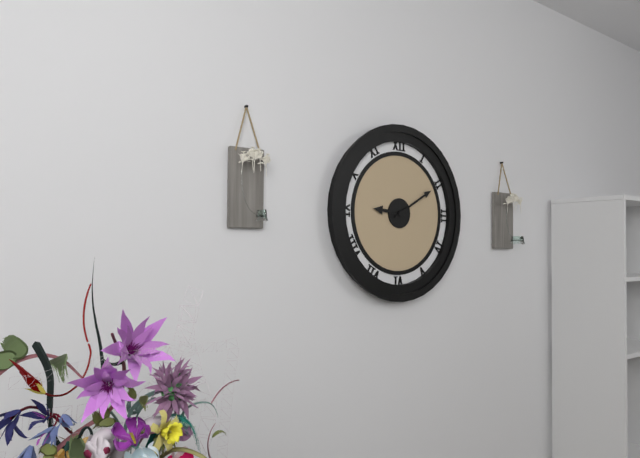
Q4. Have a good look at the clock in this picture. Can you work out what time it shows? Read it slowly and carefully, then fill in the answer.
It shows 9:10
